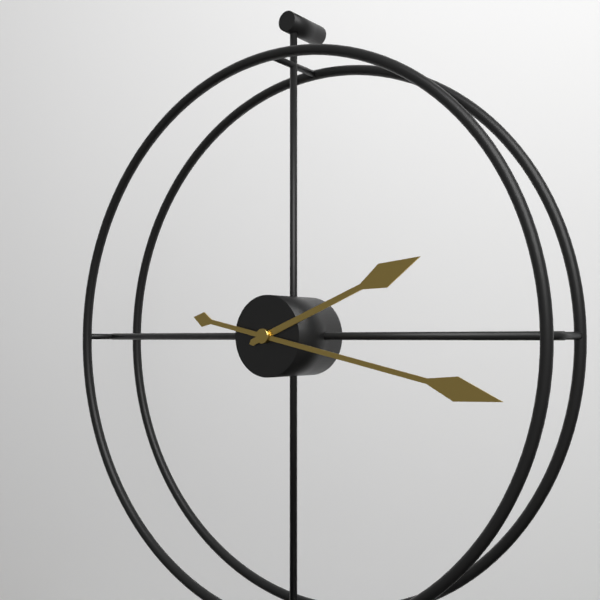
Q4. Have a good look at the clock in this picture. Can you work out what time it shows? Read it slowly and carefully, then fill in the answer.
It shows 2:17
